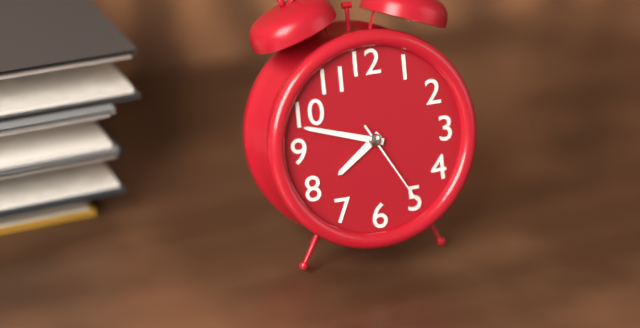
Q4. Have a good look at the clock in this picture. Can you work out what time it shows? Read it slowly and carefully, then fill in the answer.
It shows 7:48:25
